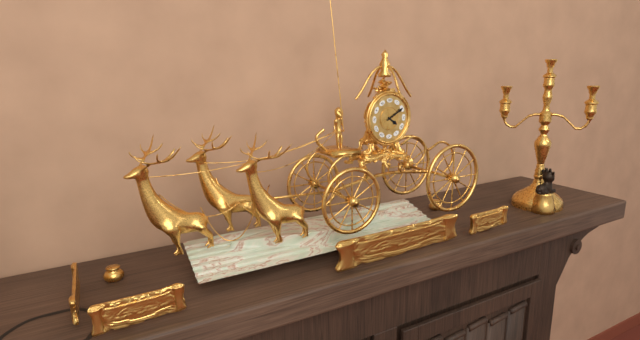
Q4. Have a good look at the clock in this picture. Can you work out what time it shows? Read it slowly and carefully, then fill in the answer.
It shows 4:10
